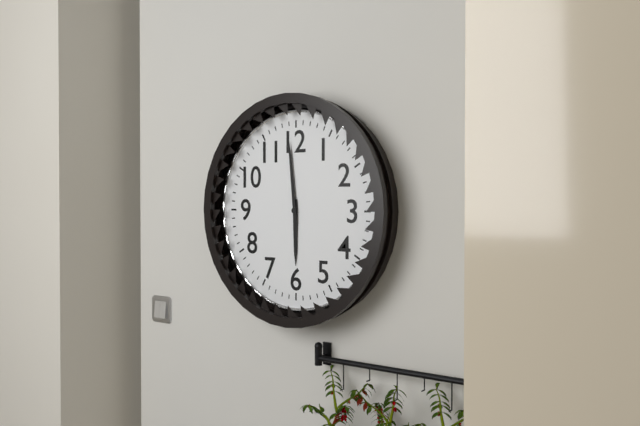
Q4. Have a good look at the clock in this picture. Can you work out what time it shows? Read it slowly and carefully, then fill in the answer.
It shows 5:59
